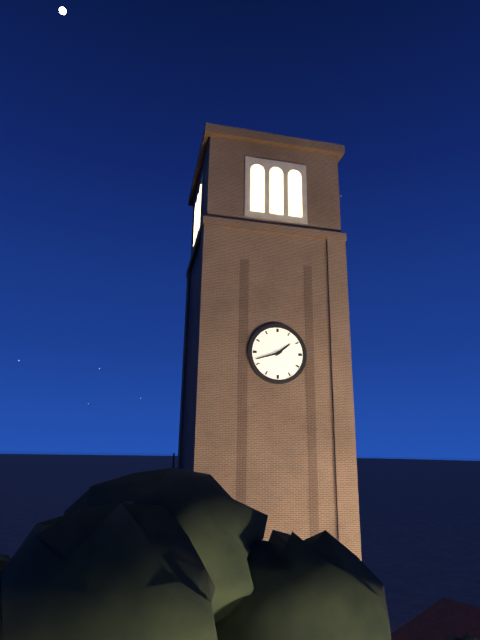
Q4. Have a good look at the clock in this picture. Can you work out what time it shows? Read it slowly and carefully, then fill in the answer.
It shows 1:42
